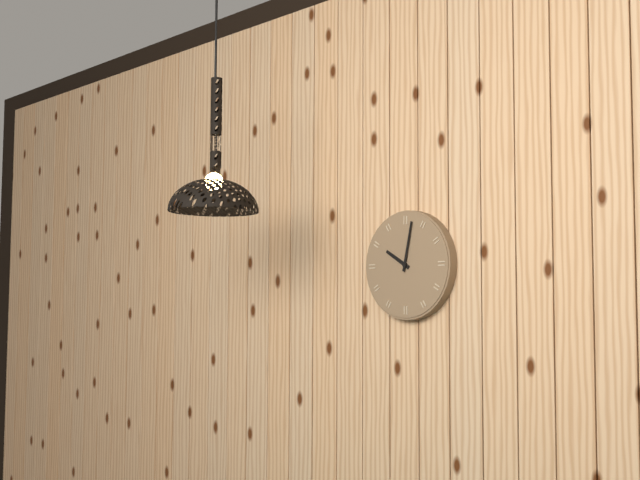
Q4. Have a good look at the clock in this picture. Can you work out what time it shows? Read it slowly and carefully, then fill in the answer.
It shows 10:02
